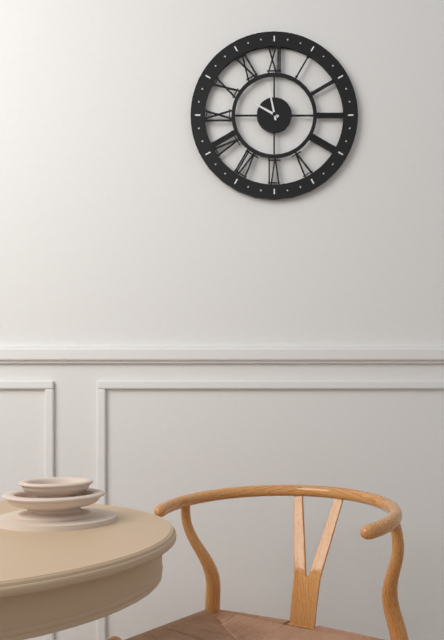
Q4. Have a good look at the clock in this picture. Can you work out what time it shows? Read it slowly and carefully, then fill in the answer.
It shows 9:58
